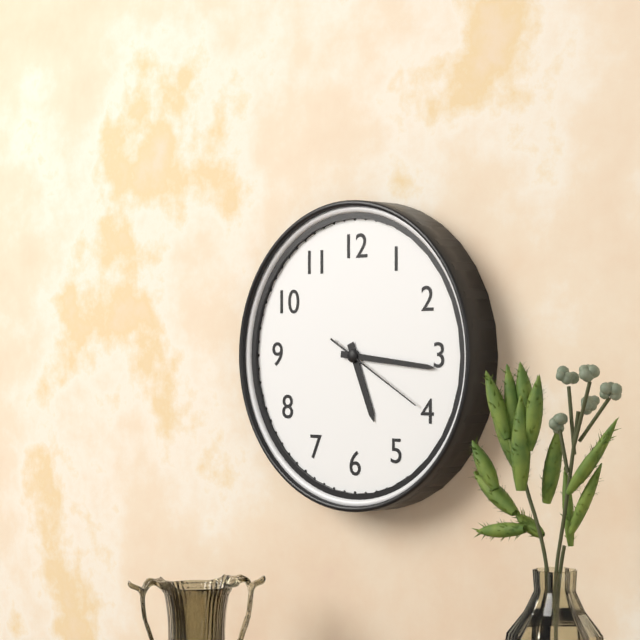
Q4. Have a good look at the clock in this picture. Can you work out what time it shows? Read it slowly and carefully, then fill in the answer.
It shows 5:16:20
